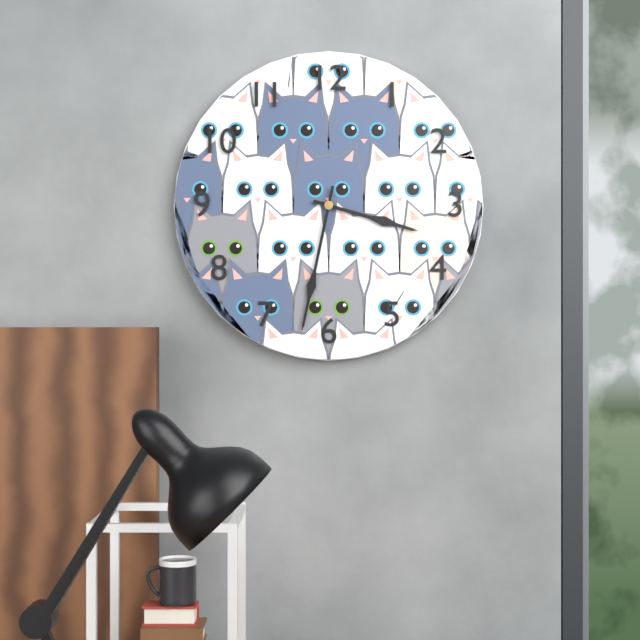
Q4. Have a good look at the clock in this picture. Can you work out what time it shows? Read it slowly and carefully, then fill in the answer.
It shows 3:32
